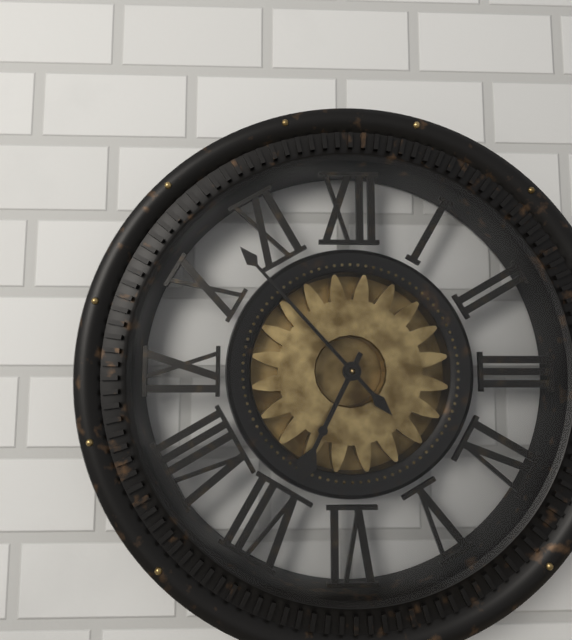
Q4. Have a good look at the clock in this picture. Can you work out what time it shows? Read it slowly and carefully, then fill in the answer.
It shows 6:53
